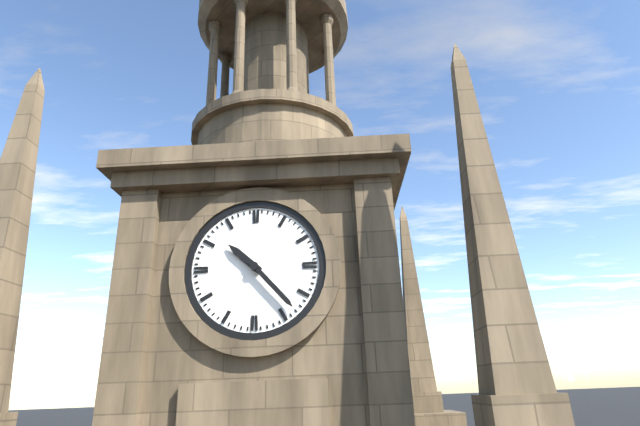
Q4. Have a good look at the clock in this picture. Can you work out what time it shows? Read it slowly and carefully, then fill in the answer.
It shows 10:23
